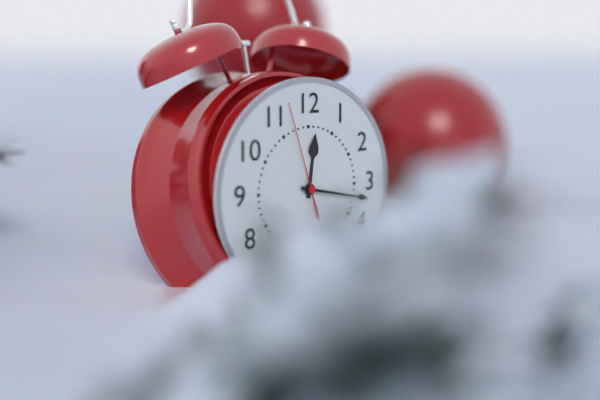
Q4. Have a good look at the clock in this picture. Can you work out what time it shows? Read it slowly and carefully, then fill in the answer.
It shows 12:17:57
